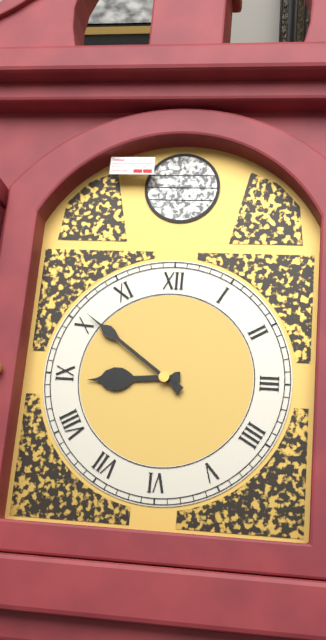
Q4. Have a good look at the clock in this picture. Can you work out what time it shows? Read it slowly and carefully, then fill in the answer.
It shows 8:51
